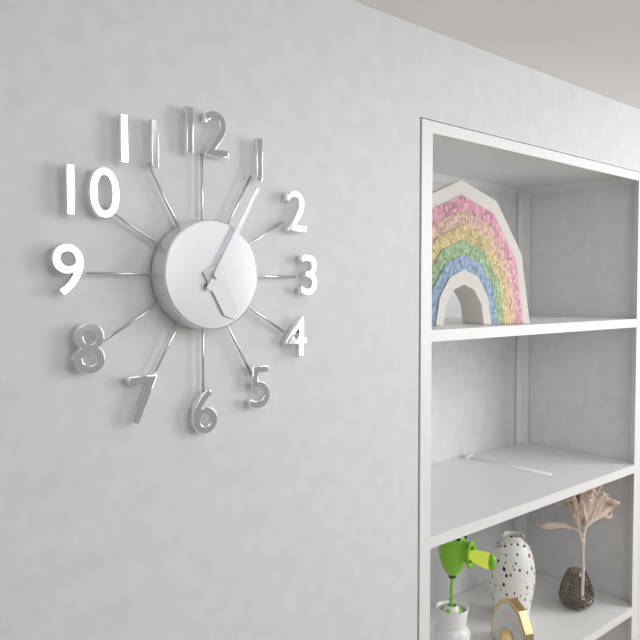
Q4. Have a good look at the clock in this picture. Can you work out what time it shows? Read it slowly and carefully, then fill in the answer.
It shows 5:05
